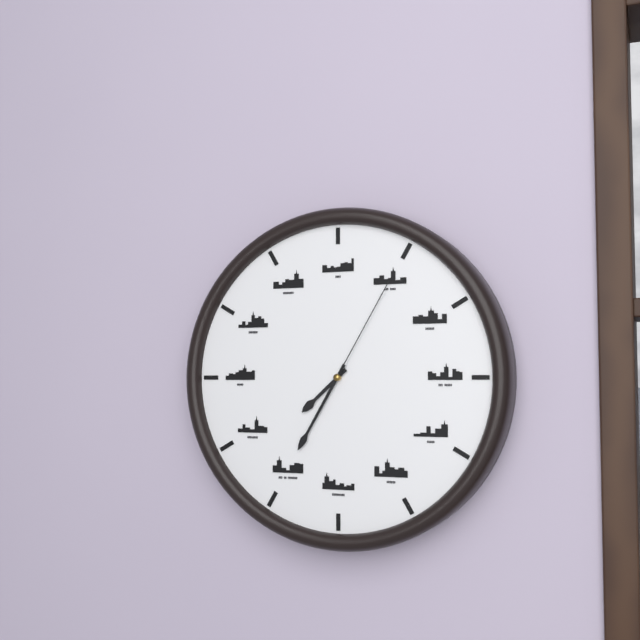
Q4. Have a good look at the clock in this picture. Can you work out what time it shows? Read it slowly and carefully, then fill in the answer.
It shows 7:35:05
